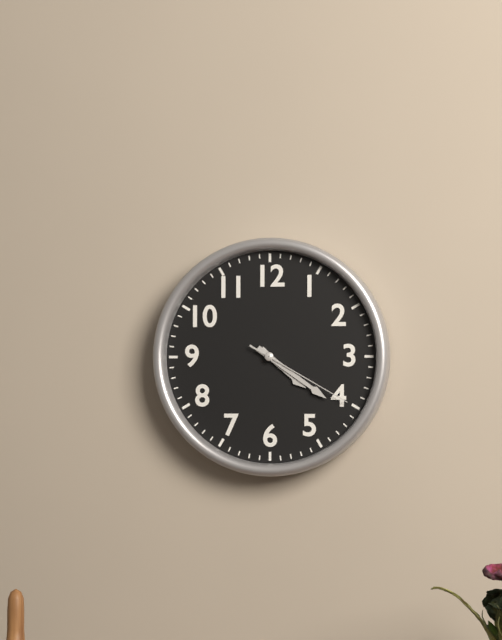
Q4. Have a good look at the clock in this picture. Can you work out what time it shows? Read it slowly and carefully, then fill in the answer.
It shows 4:21:20
